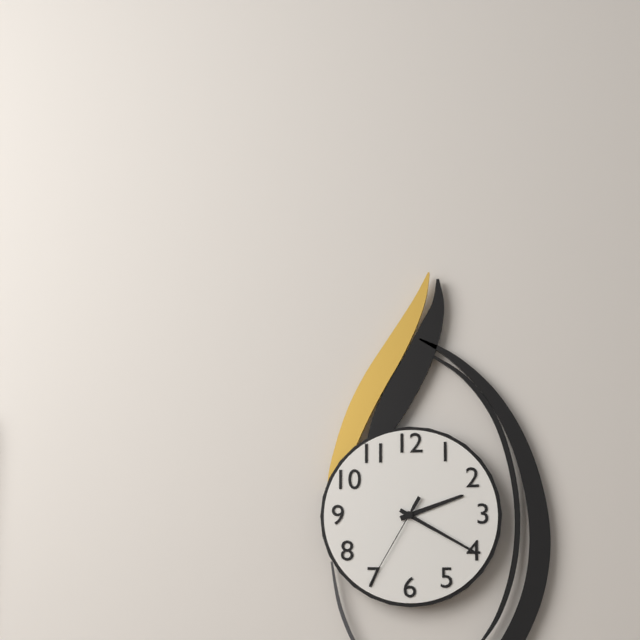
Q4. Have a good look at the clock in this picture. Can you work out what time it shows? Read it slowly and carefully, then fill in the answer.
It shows 2:20:35
